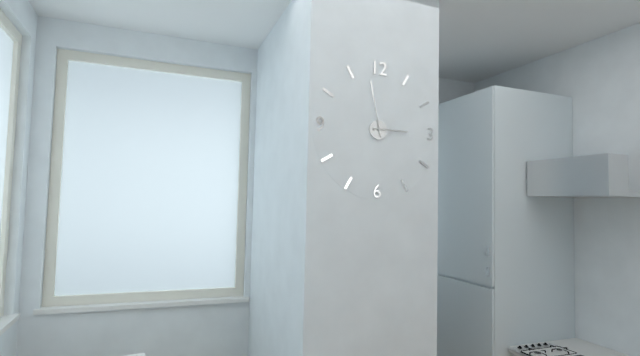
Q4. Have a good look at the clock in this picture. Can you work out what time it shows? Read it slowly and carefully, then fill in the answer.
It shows 2:58
